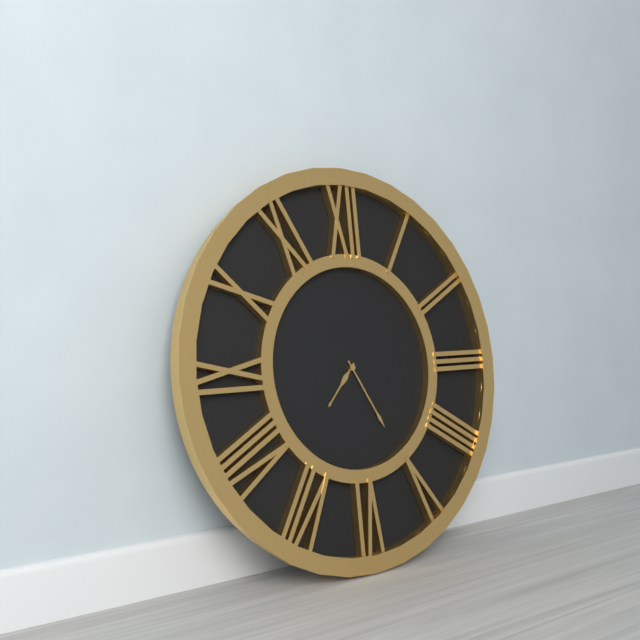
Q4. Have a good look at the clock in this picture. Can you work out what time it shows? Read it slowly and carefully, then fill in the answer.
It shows 7:25
